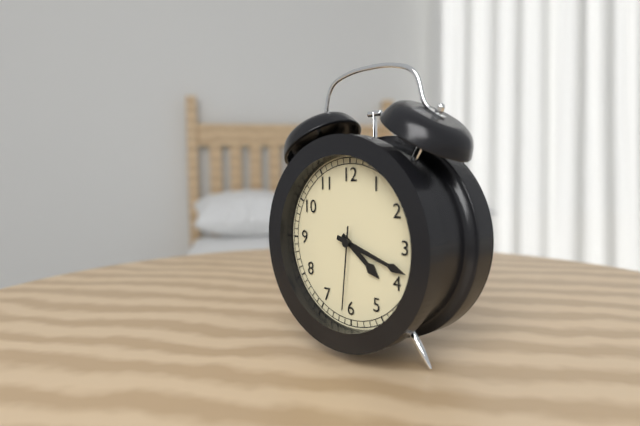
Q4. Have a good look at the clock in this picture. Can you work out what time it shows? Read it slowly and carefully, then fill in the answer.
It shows 4:18:31
